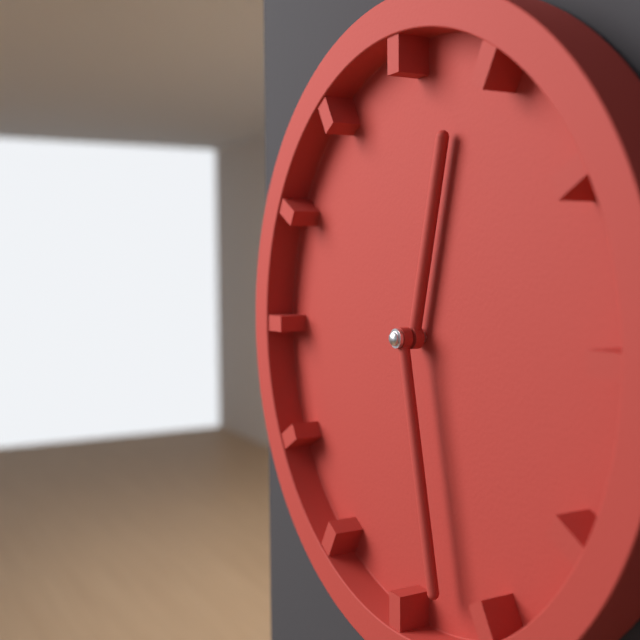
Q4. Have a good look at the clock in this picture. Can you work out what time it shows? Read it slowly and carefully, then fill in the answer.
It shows 12:28
